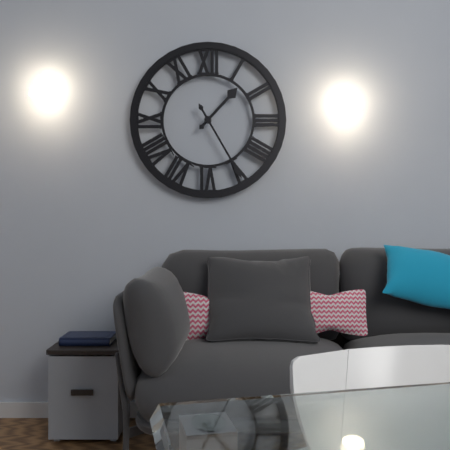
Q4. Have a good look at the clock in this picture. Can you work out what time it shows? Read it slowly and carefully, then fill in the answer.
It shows 1:25
